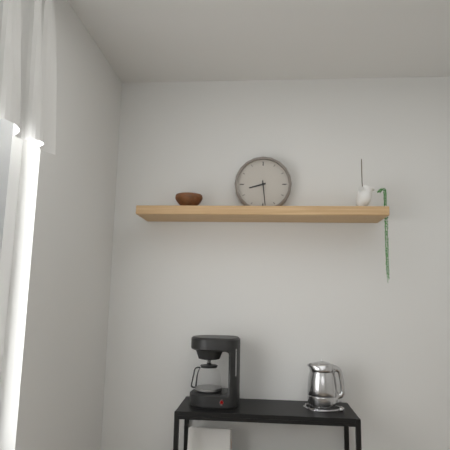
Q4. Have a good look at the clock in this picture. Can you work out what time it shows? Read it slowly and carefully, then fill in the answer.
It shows 8:29
